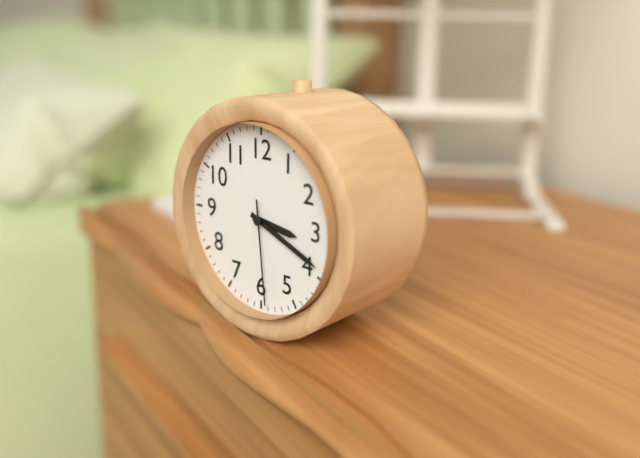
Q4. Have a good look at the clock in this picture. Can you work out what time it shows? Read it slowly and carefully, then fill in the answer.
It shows 3:19:29
